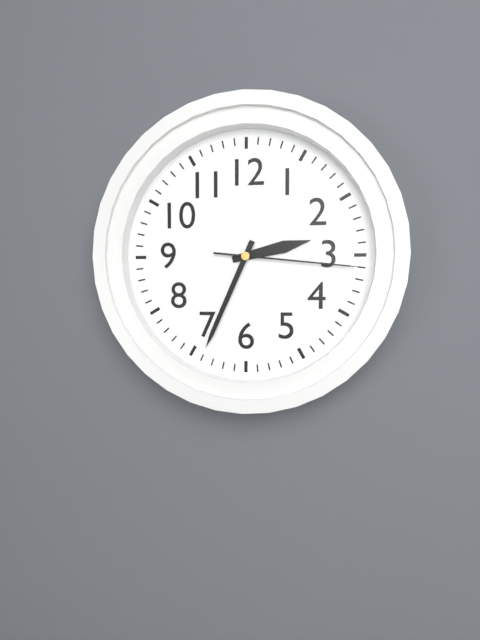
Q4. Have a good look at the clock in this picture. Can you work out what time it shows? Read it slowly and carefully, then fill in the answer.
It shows 2:34:16
